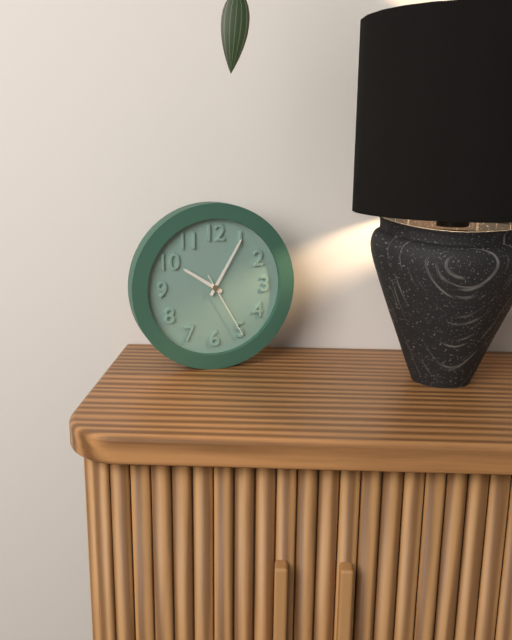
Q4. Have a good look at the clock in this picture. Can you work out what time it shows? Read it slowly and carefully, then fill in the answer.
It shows 10:05:25
